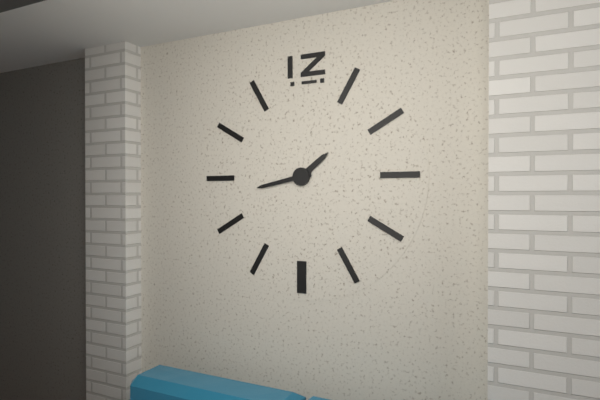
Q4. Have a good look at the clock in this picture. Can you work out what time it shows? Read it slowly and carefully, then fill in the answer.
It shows 1:43
